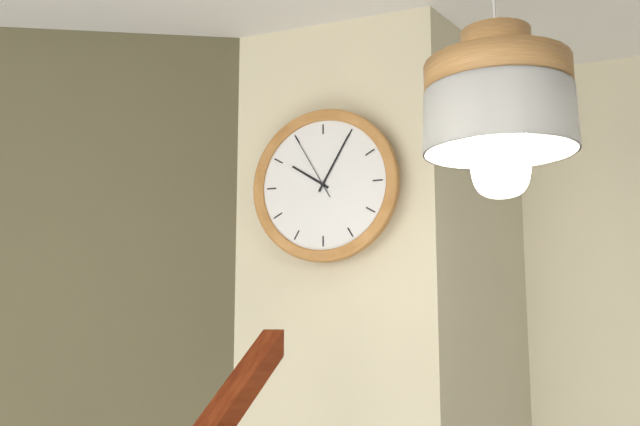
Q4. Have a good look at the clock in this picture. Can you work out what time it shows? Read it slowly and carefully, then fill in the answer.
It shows 10:05:55
